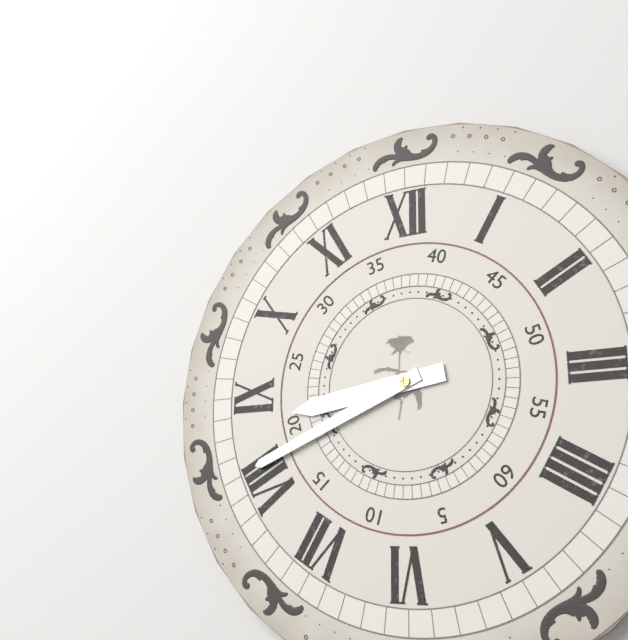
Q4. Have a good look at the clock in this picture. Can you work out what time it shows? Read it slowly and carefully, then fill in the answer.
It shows 8:41
